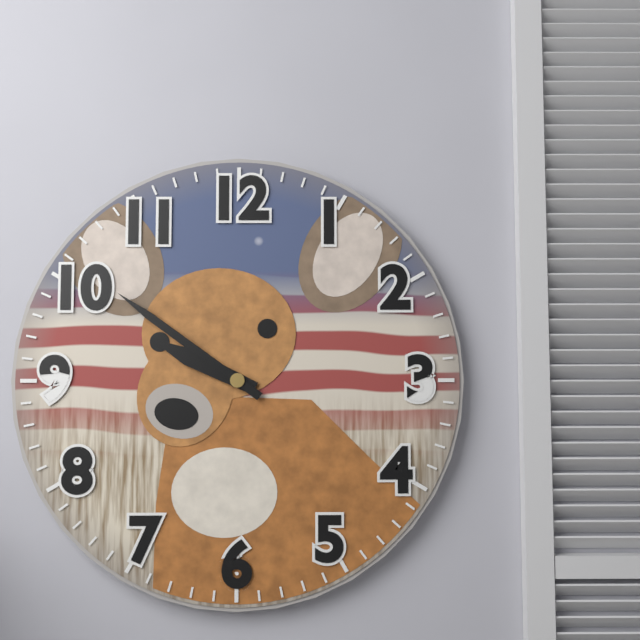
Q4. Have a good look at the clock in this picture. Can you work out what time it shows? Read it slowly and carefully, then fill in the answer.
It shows 9:51
